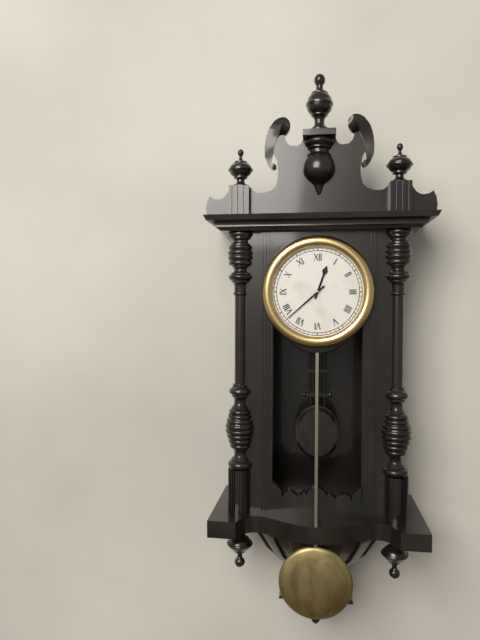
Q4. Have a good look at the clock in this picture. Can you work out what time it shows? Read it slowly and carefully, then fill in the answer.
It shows 12:38
